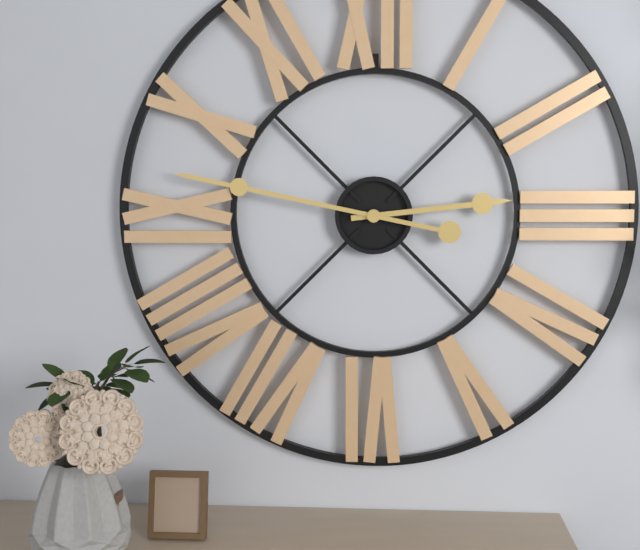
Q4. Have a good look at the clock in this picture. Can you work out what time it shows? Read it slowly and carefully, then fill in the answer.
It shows 2:47
